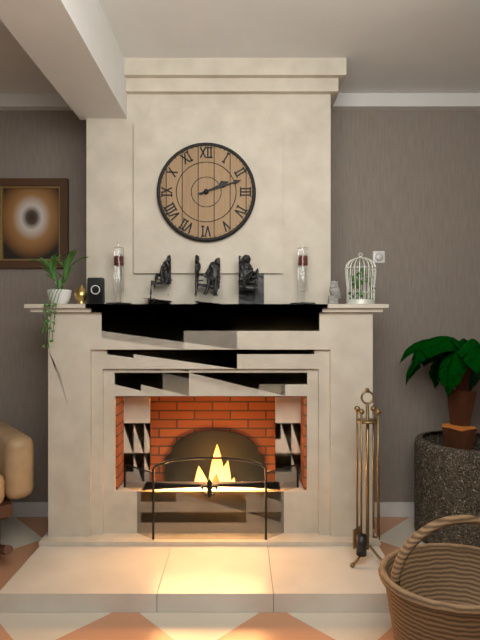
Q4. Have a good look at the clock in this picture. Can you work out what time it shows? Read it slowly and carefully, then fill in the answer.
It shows 2:12
